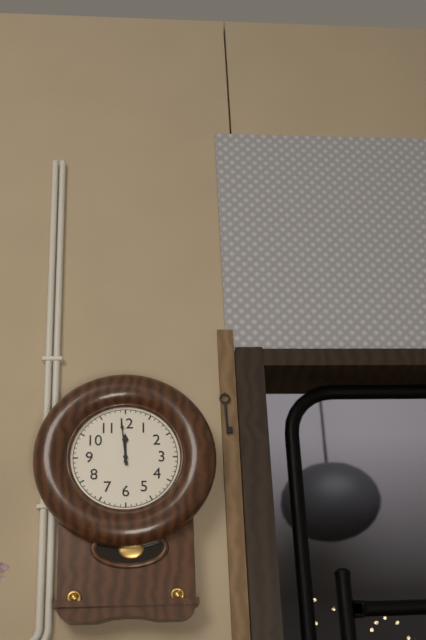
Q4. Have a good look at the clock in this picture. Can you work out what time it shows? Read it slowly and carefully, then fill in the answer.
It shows 11:59
